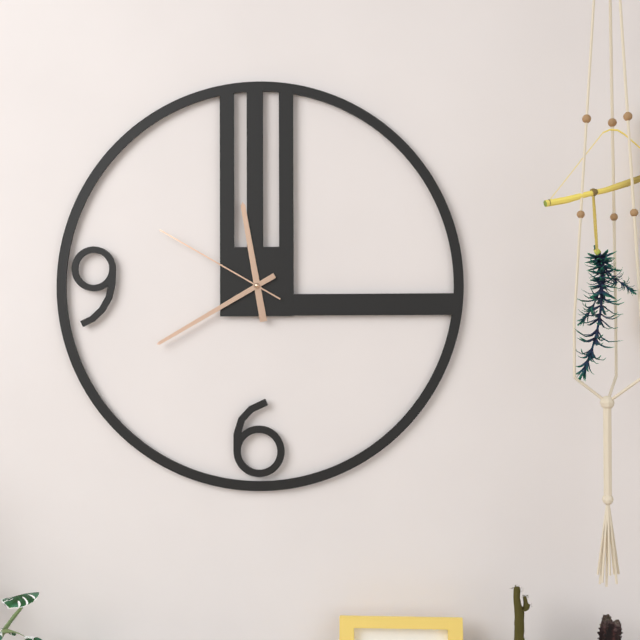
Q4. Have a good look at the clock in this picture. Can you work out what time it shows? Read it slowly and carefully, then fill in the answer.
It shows 11:40:50
